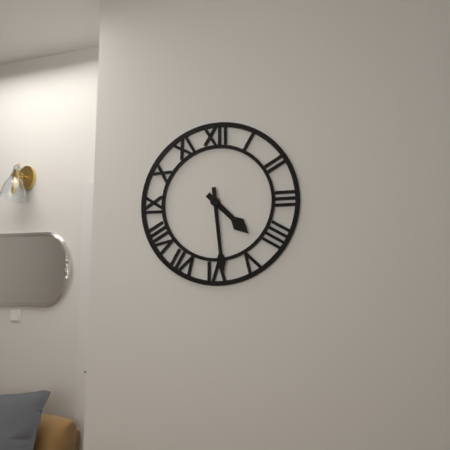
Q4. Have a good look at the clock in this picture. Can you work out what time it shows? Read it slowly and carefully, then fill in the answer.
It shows 4:29
